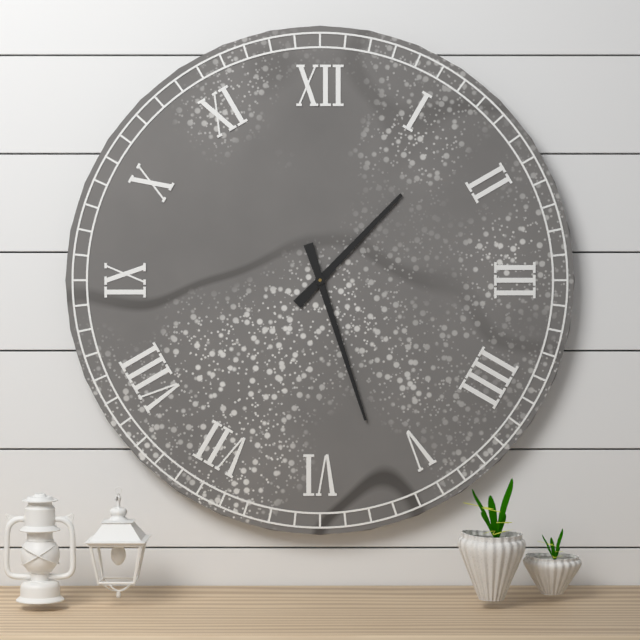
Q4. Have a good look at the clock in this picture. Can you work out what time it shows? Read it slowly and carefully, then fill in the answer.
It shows 1:27
